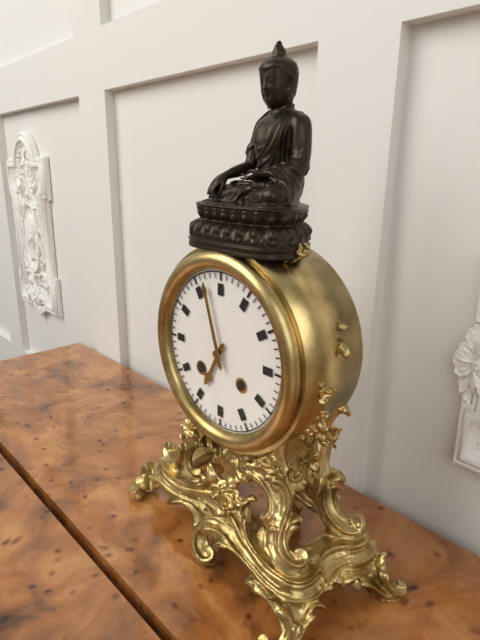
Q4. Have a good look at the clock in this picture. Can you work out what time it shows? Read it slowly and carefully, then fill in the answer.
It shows 6:57
